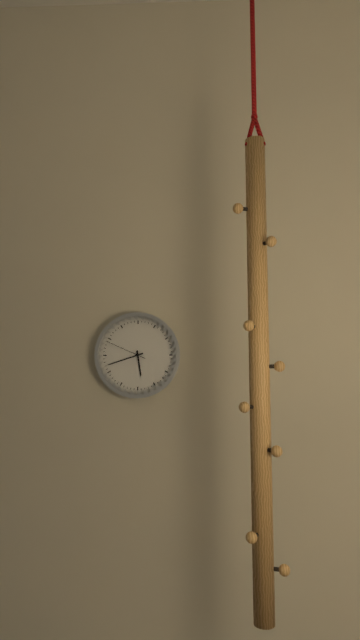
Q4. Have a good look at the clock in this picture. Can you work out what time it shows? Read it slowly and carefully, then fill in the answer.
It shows 5:42
